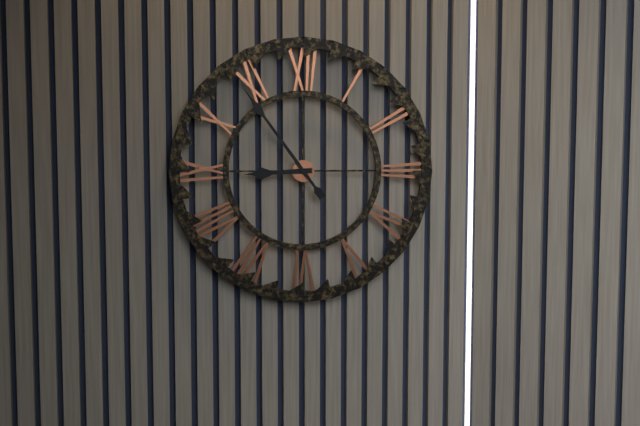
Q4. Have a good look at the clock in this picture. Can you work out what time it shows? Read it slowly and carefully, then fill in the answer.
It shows 8:54
